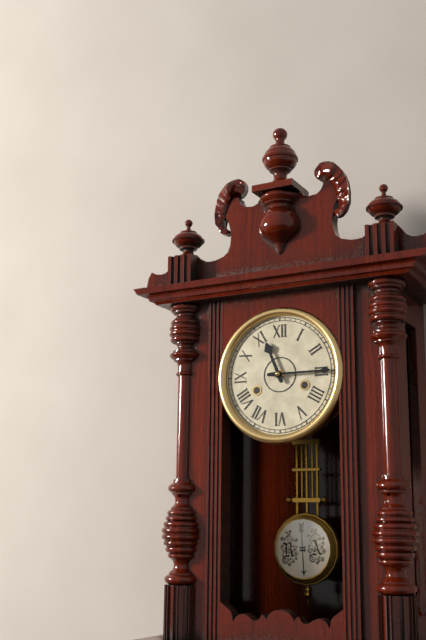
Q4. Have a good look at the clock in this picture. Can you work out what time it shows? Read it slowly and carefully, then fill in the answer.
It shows 11:15
